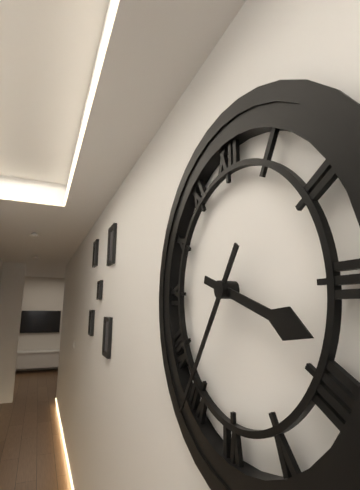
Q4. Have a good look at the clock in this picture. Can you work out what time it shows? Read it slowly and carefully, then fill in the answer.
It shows 3:36
